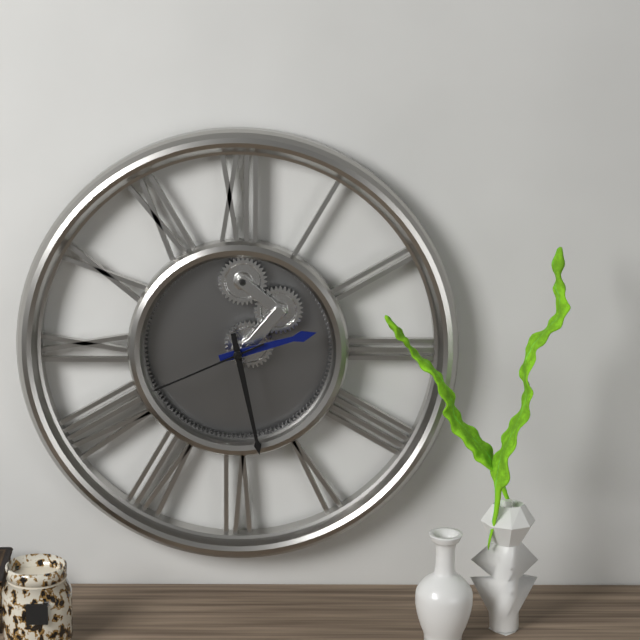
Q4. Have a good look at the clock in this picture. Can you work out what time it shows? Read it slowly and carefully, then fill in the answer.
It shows 2:28:41
